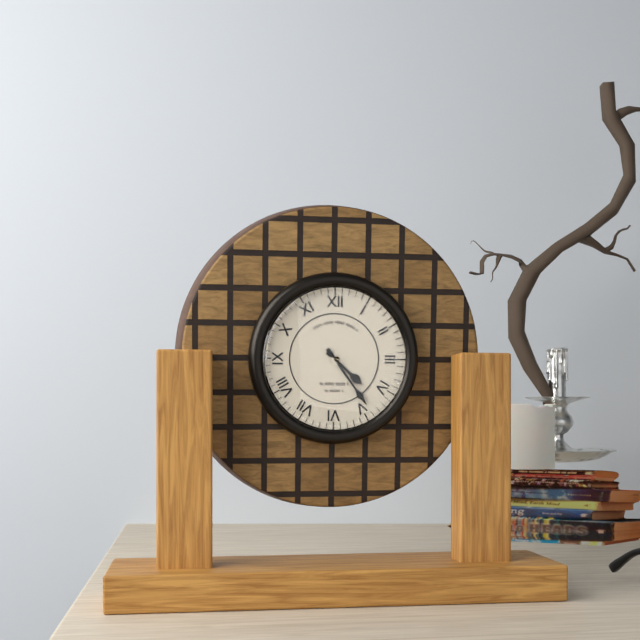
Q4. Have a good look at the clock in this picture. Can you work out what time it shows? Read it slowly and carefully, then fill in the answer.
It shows 4:24
